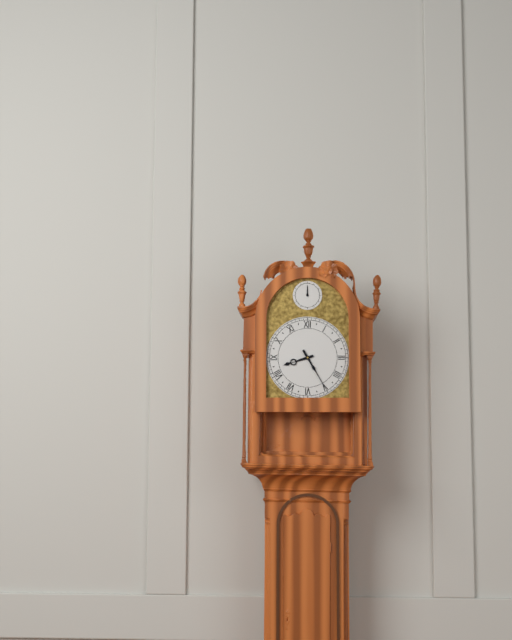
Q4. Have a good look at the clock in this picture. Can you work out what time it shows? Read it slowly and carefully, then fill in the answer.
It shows 8:25
